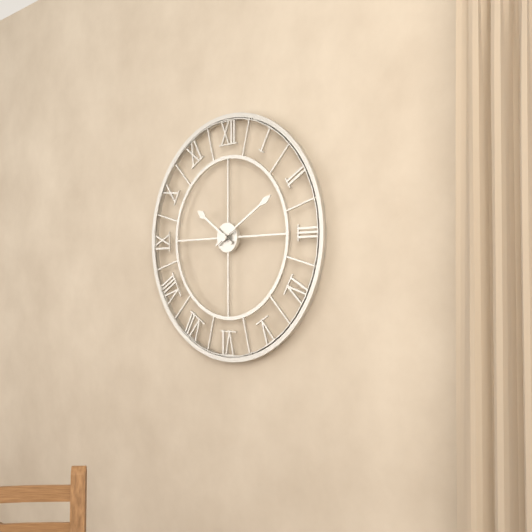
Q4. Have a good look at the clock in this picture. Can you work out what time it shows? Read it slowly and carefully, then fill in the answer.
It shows 10:10
